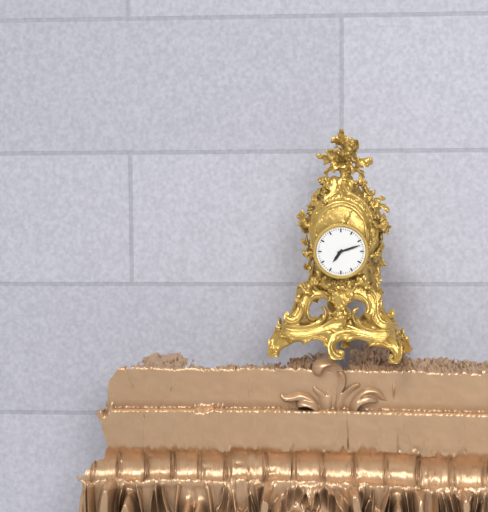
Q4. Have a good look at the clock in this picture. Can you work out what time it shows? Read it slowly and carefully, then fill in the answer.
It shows 7:12
